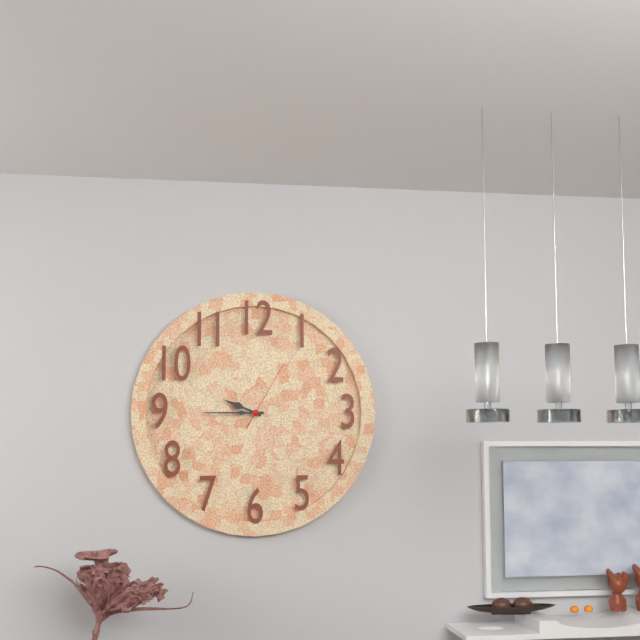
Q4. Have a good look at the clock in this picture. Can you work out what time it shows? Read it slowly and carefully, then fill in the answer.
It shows 9:45:05
